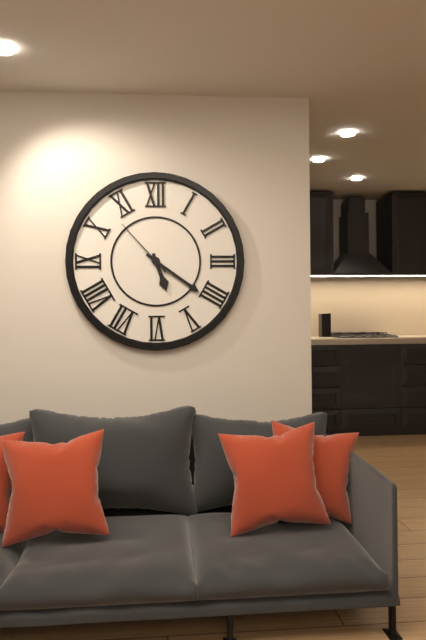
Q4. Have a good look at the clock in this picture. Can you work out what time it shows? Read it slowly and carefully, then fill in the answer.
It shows 5:21:53
